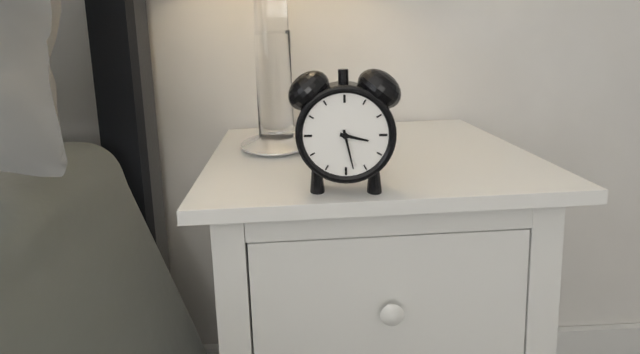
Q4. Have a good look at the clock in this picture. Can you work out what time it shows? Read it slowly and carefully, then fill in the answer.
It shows 3:28
